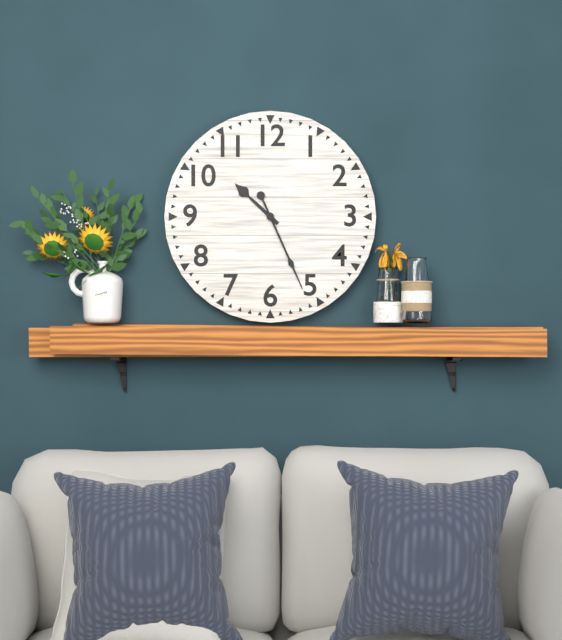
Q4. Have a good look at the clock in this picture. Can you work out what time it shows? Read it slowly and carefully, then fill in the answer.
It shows 10:26
